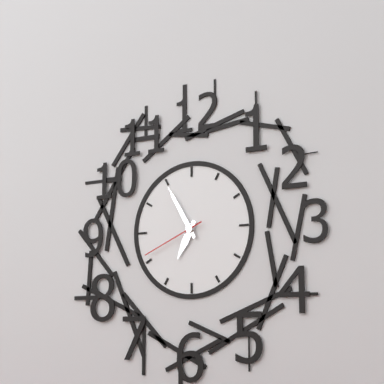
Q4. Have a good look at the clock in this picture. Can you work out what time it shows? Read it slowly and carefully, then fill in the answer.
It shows 6:55:41
